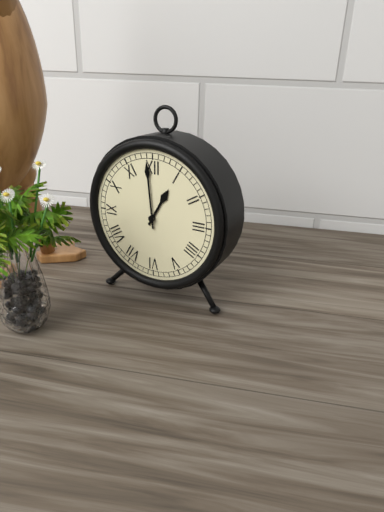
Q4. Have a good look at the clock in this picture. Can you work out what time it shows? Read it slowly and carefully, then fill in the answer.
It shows 12:59
